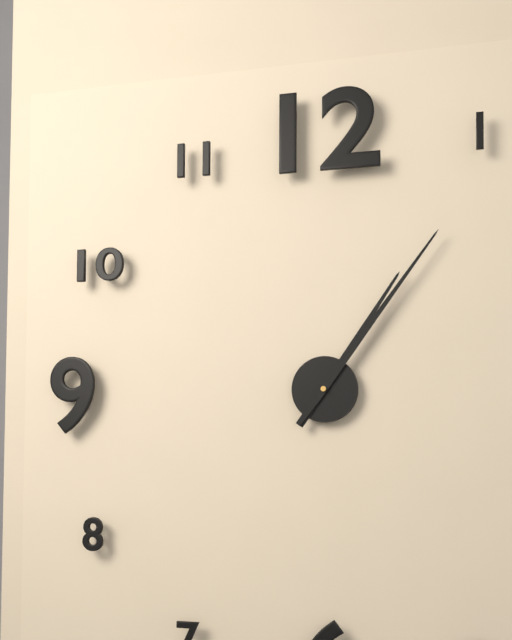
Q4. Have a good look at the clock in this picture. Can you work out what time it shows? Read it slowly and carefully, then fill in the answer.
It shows 1:06
